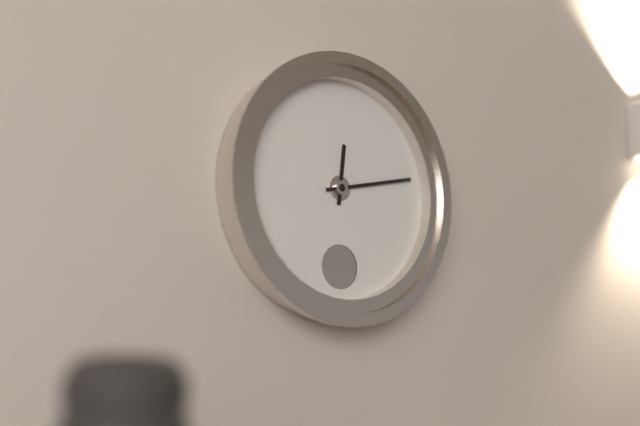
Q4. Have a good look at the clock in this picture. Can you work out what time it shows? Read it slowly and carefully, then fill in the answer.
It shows 12:13
